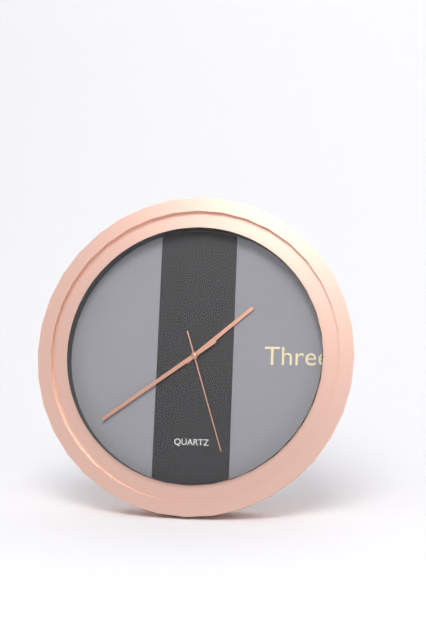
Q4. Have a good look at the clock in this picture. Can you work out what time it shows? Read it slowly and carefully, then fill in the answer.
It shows 1:39:27
